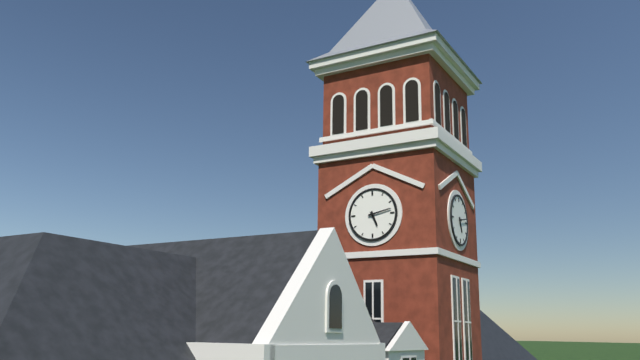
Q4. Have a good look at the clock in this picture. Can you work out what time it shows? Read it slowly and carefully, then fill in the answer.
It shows 5:13
